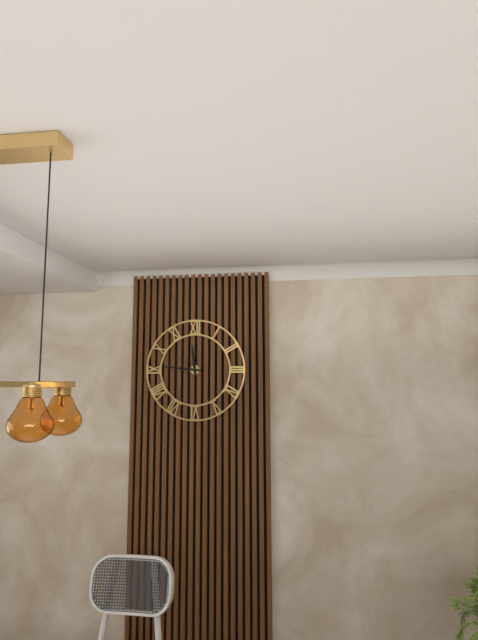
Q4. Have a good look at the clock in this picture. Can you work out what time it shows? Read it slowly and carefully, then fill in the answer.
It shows 11:46
